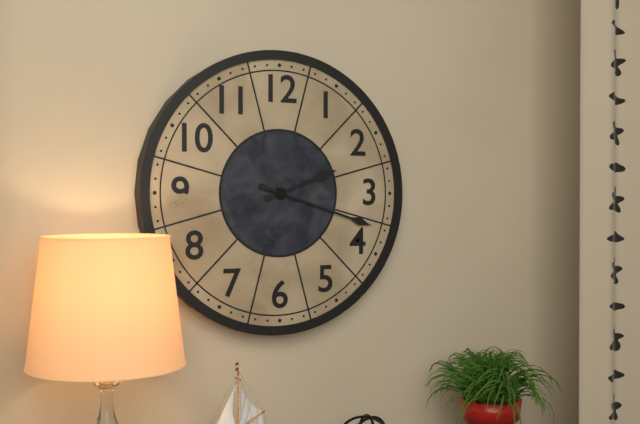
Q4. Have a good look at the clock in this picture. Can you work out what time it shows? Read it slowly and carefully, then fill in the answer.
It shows 2:18
